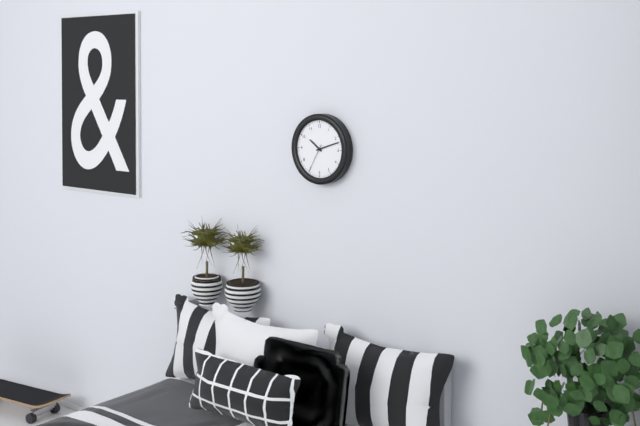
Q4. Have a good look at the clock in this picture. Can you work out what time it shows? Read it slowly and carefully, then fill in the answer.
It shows 10:12
